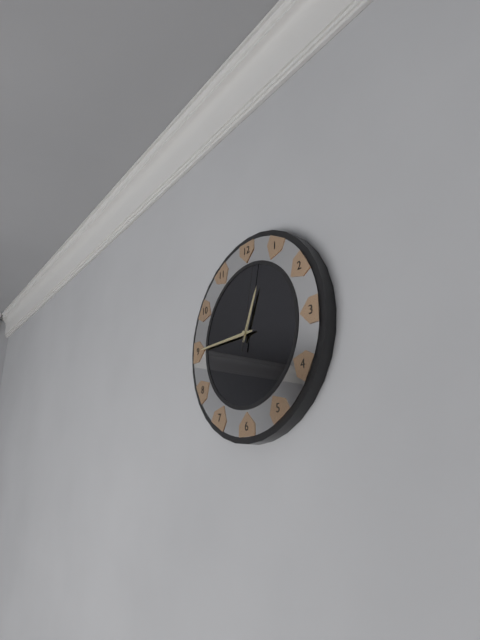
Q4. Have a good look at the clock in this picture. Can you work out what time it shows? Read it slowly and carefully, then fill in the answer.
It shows 12:45:02
